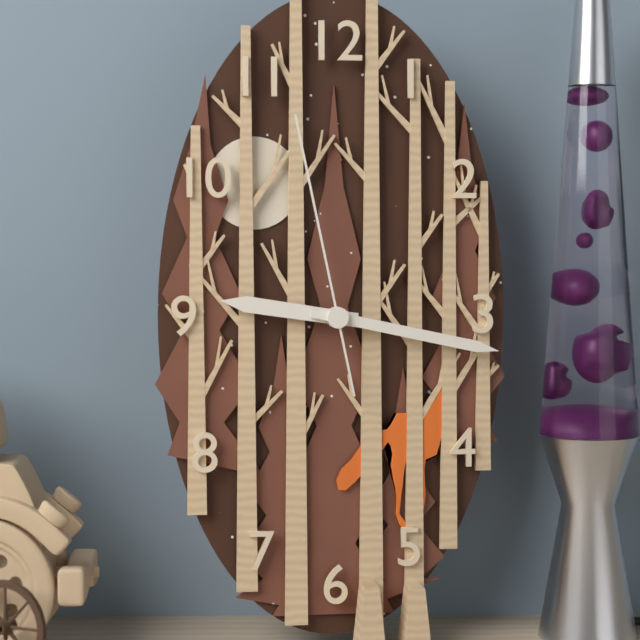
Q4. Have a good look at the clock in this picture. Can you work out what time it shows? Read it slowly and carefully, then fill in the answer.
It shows 9:17:58
